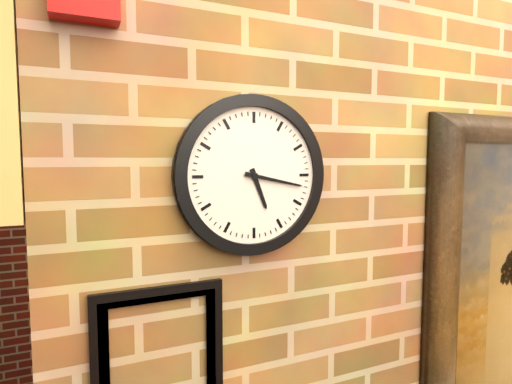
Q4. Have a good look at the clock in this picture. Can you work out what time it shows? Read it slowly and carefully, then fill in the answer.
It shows 5:17
